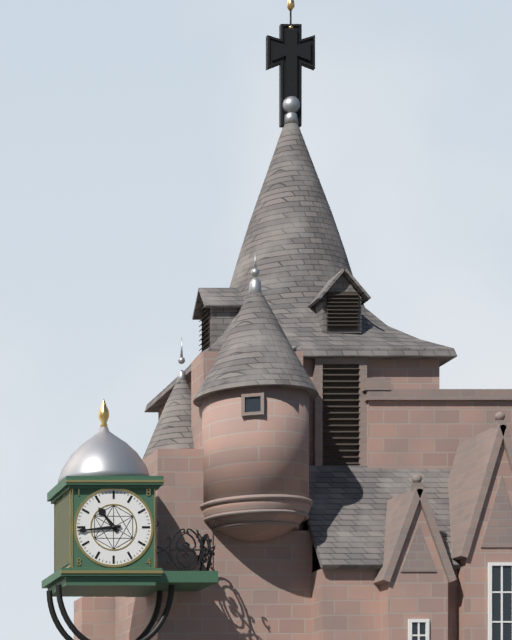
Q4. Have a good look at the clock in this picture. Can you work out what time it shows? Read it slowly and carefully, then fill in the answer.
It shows 10:44
